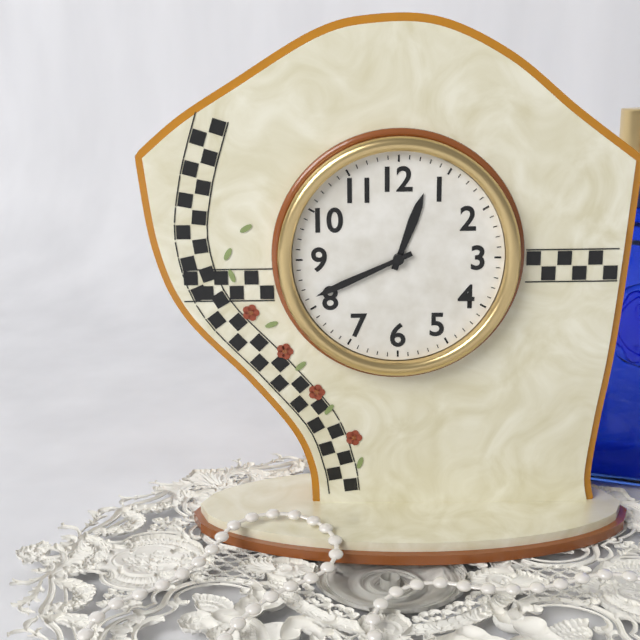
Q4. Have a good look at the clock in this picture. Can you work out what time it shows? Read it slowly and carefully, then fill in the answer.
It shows 12:41
